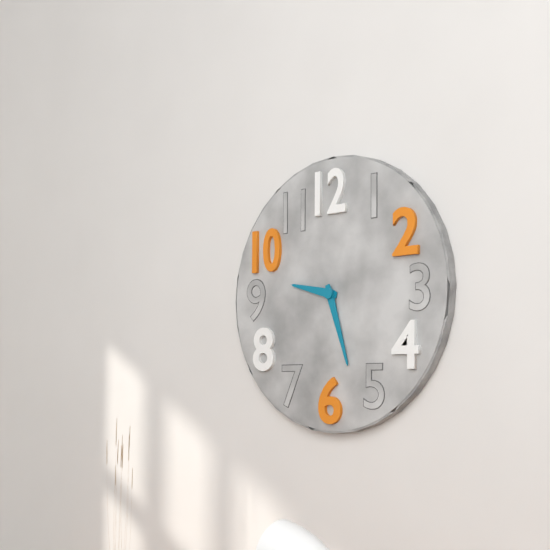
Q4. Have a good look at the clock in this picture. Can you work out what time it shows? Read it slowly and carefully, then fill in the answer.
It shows 9:27
